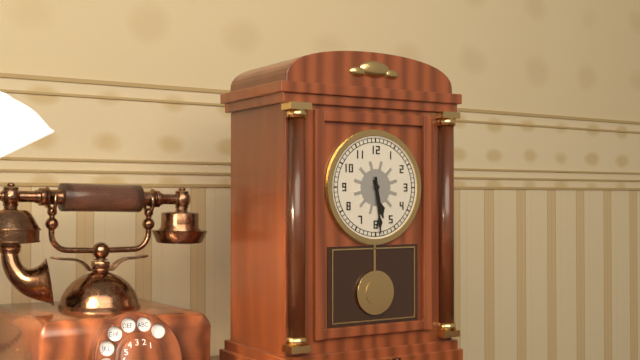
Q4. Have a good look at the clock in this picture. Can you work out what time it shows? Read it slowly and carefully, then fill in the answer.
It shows 5:29
